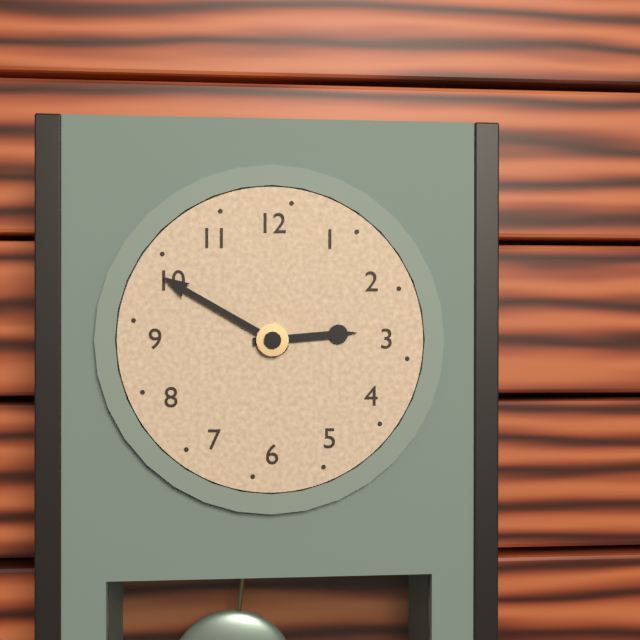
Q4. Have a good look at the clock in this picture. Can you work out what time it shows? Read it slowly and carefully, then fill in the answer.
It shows 2:50
